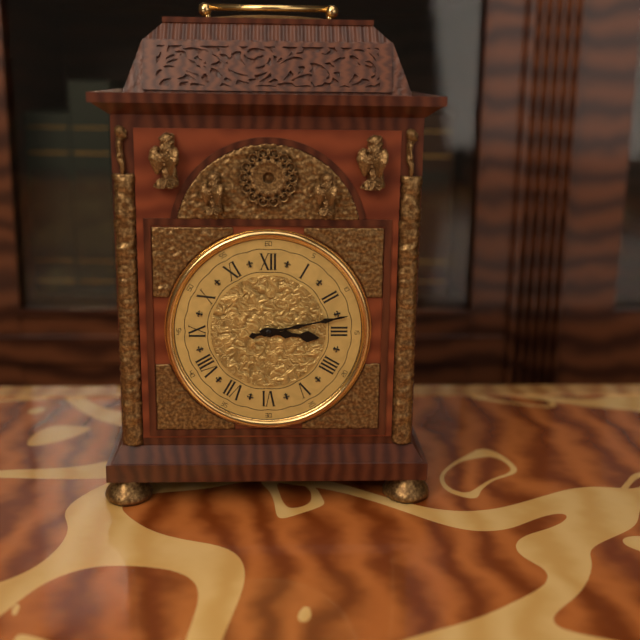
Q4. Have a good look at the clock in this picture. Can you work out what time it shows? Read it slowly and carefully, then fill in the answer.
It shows 3:13
